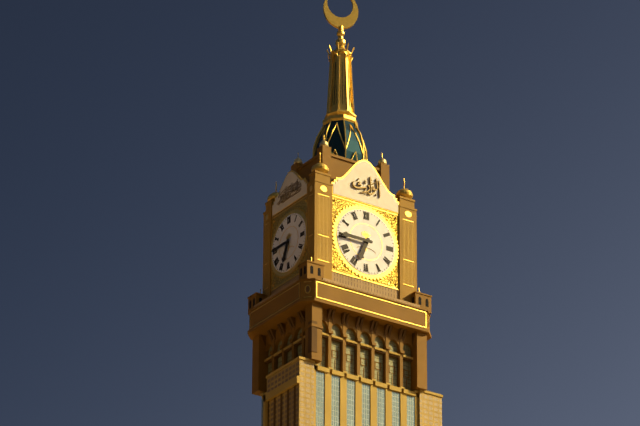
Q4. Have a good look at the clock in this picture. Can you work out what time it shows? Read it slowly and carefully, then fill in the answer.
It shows 6:45
